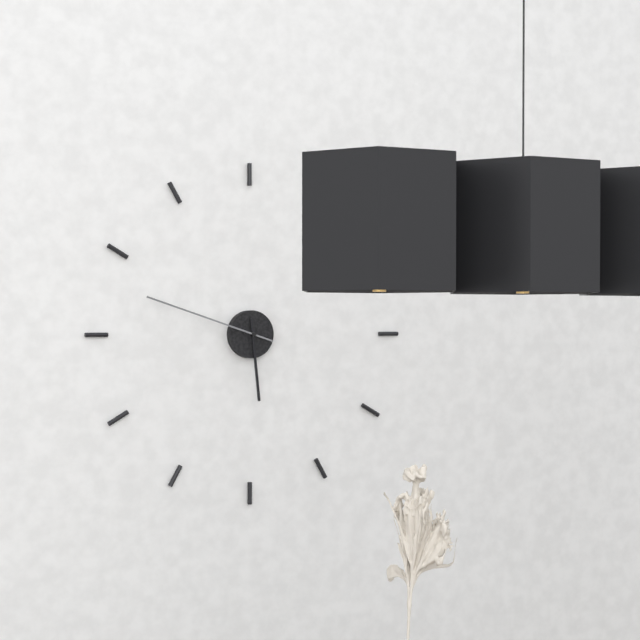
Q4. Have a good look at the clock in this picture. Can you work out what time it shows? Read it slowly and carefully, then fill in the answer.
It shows 5:48
